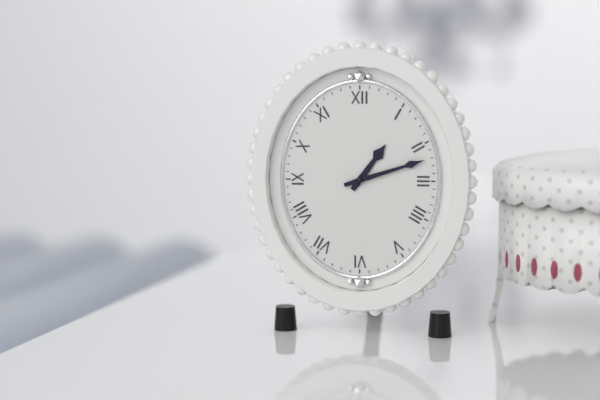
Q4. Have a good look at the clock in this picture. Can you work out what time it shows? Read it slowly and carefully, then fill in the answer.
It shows 1:12
